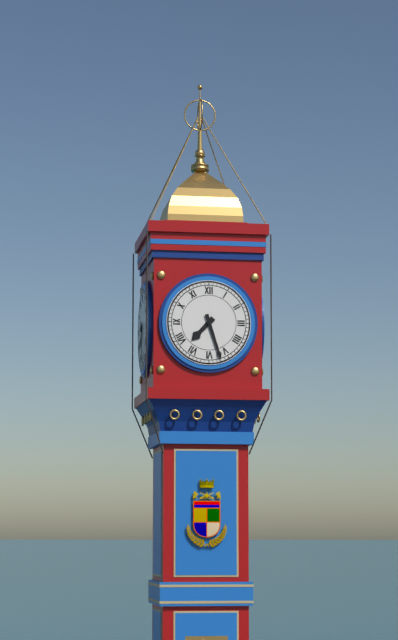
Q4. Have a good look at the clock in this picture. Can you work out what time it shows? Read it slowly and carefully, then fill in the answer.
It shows 7:27
